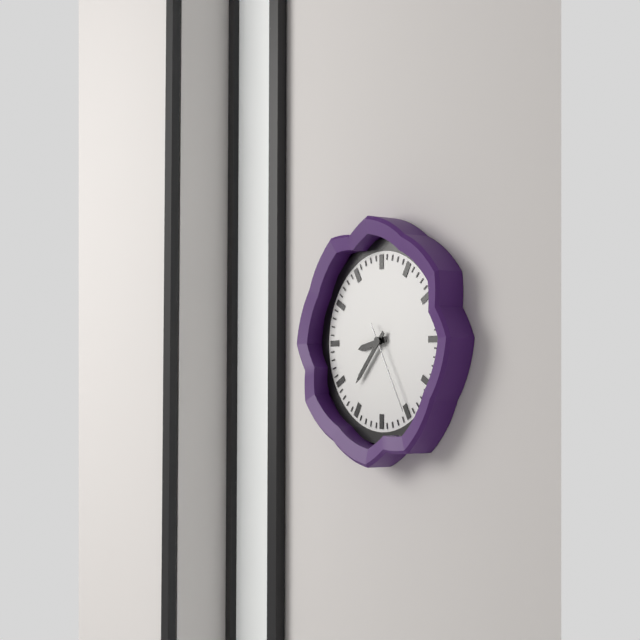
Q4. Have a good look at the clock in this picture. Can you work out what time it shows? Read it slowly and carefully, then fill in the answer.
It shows 8:37:25
